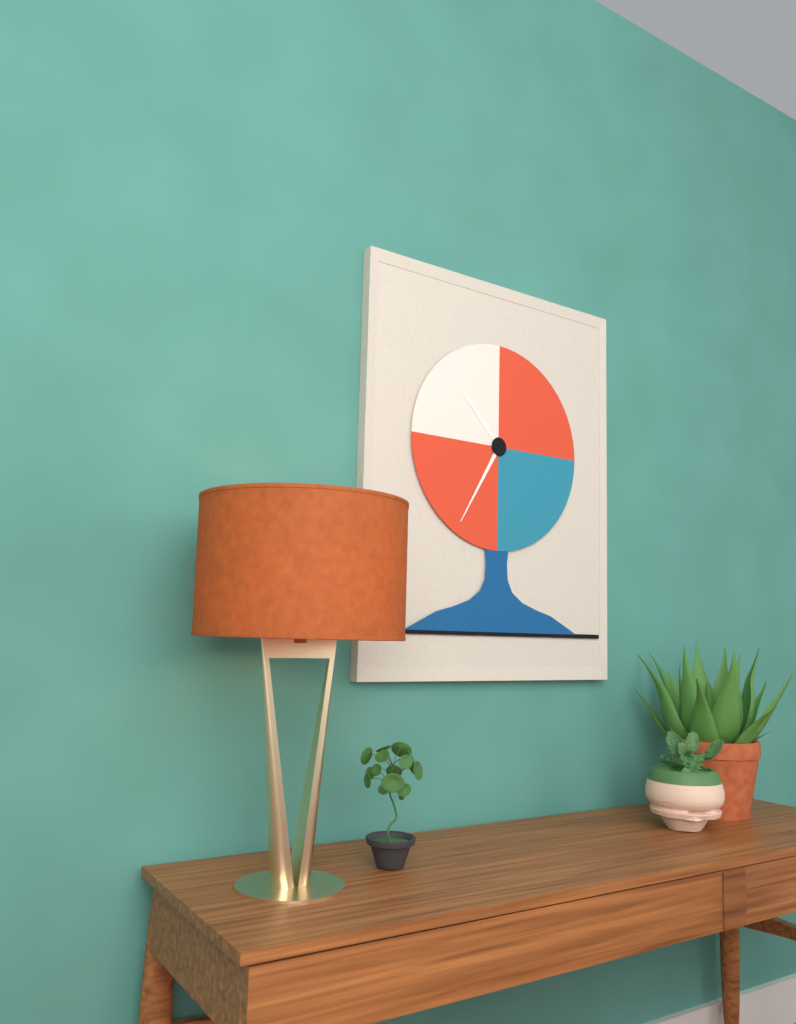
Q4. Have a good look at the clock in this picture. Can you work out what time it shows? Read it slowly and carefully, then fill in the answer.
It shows 10:35
